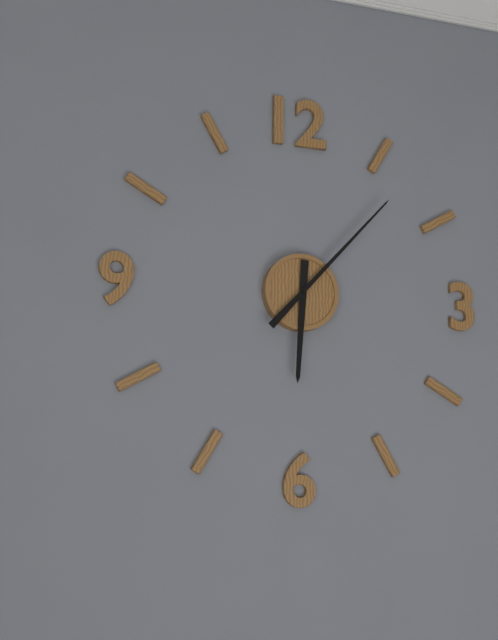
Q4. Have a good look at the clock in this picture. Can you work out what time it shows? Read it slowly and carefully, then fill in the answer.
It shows 6:07
